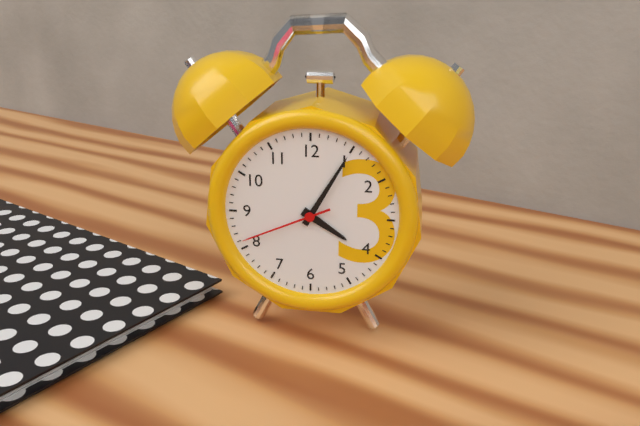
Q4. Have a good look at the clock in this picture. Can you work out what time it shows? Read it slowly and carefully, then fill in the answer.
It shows 4:05:41
